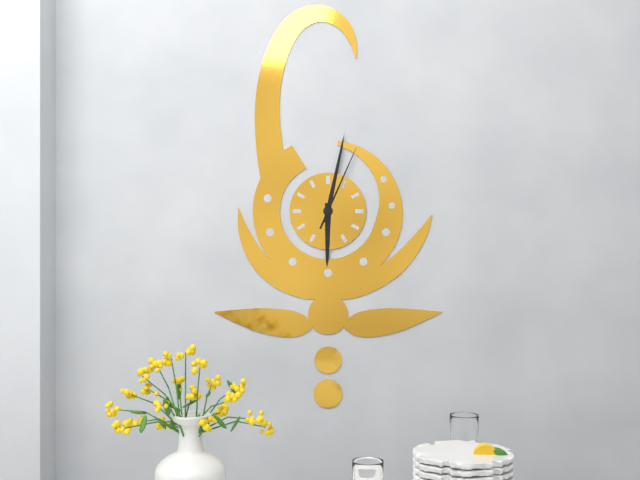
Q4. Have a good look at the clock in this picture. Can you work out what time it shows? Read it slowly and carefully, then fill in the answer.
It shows 6:02:04
